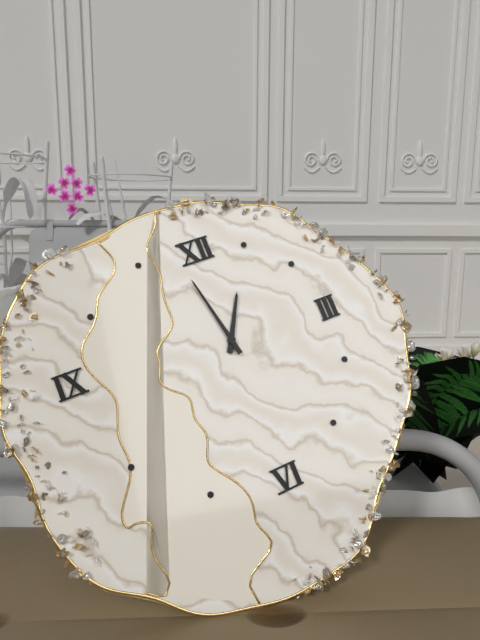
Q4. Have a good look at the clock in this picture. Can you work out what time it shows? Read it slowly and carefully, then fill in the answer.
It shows 12:58
